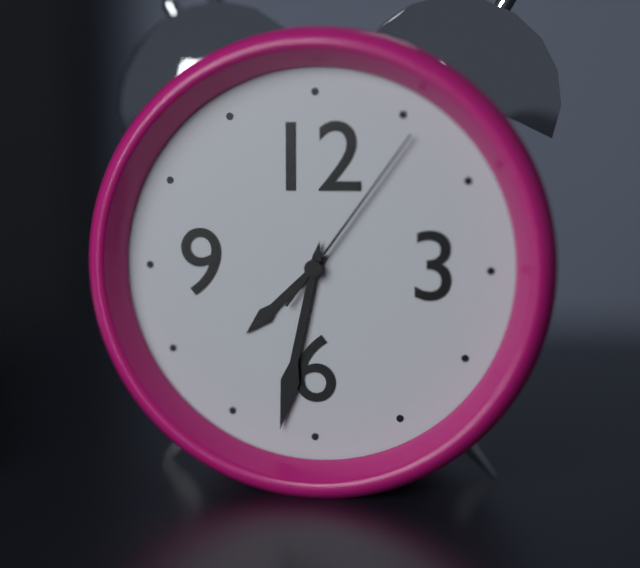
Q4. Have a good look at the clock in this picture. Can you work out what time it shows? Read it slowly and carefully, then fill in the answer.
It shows 7:32:06
